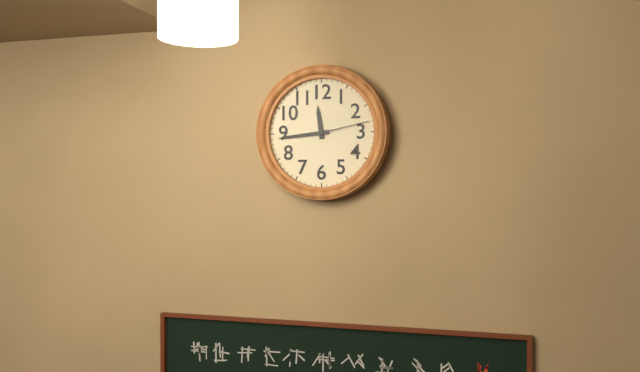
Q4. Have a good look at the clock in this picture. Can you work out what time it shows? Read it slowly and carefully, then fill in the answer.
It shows 11:44:13
